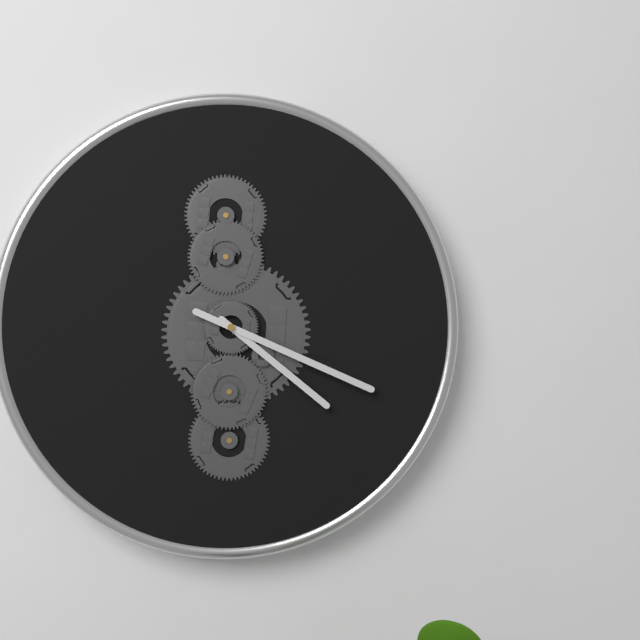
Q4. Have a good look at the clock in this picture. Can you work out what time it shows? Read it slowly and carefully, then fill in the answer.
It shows 4:19
